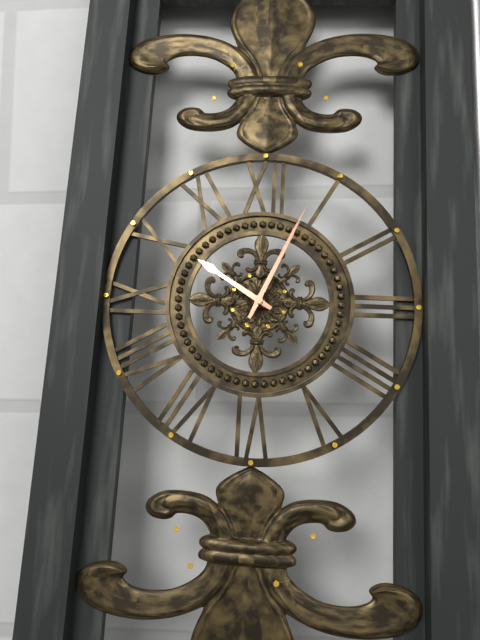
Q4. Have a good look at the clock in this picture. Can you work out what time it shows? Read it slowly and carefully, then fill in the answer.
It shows 10:04
